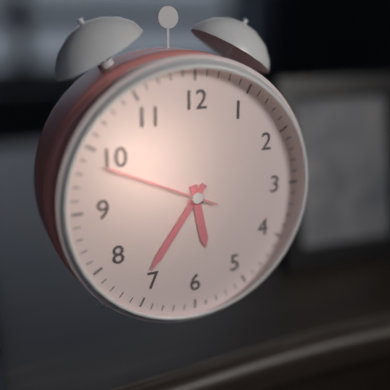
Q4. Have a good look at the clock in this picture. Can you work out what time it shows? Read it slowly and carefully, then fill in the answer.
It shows 5:36:49
